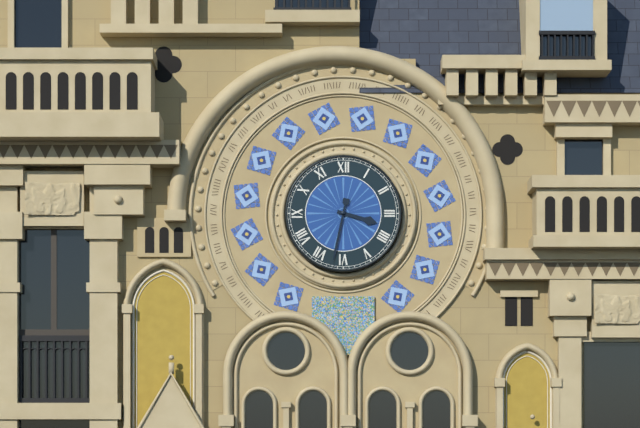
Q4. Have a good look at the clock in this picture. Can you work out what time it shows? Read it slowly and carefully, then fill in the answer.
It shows 3:32
